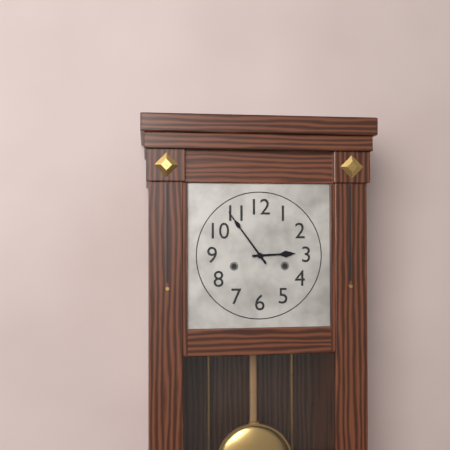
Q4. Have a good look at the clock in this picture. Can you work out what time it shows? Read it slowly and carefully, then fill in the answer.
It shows 2:54
